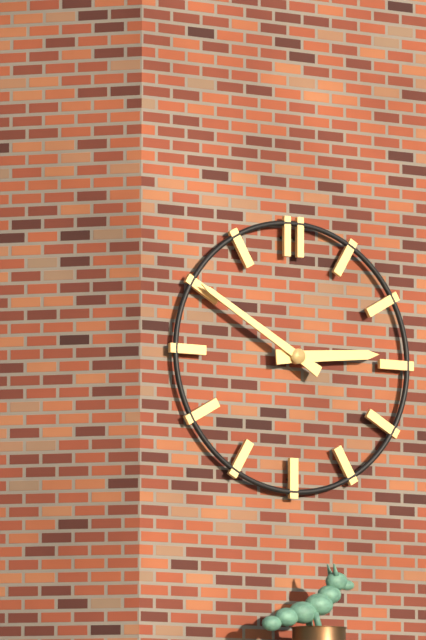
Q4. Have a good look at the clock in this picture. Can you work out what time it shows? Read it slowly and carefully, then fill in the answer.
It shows 2:50
